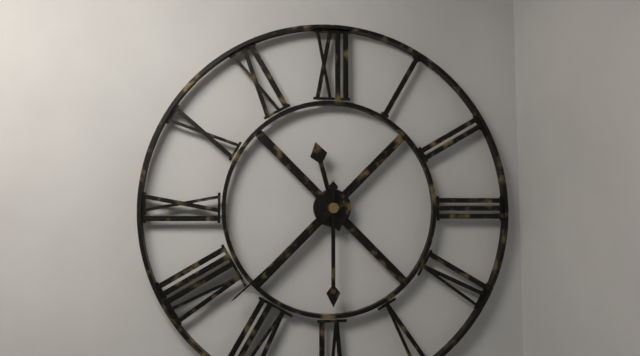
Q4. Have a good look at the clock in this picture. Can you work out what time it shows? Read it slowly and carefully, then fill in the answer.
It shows 11:30:38
